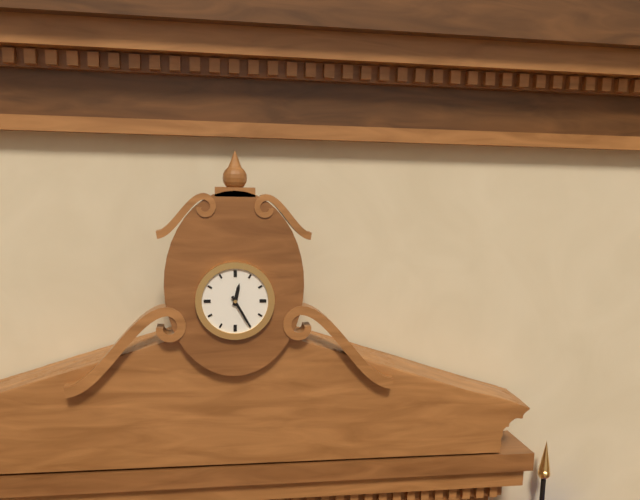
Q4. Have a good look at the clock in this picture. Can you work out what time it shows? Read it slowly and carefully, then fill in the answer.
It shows 12:25
